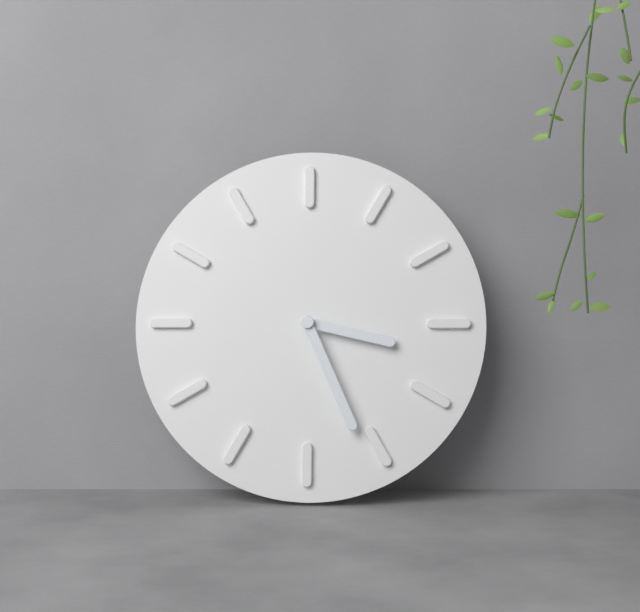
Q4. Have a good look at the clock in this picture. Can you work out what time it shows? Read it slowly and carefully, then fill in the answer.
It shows 3:26
